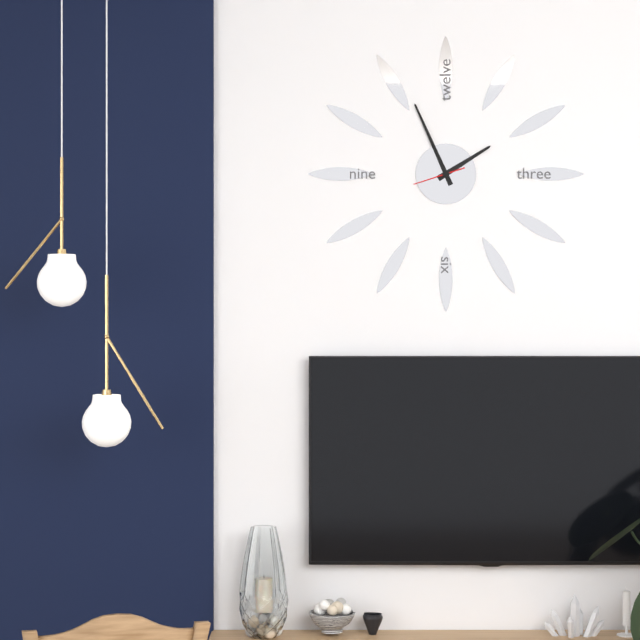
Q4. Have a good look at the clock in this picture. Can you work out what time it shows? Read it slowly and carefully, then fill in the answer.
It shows 1:56
